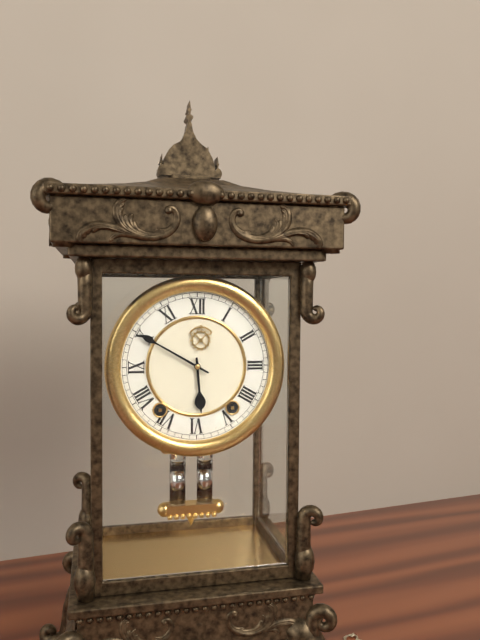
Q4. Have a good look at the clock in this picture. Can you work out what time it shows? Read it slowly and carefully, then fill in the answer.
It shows 5:50
